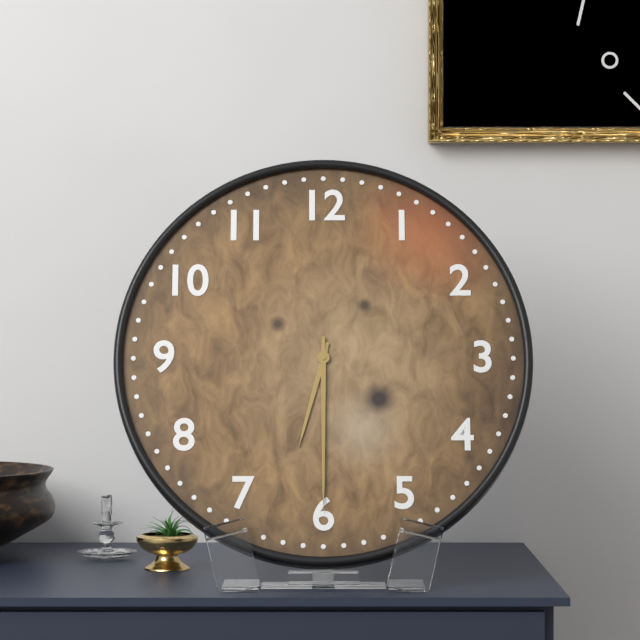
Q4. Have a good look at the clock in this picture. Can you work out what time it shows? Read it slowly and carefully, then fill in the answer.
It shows 6:30
